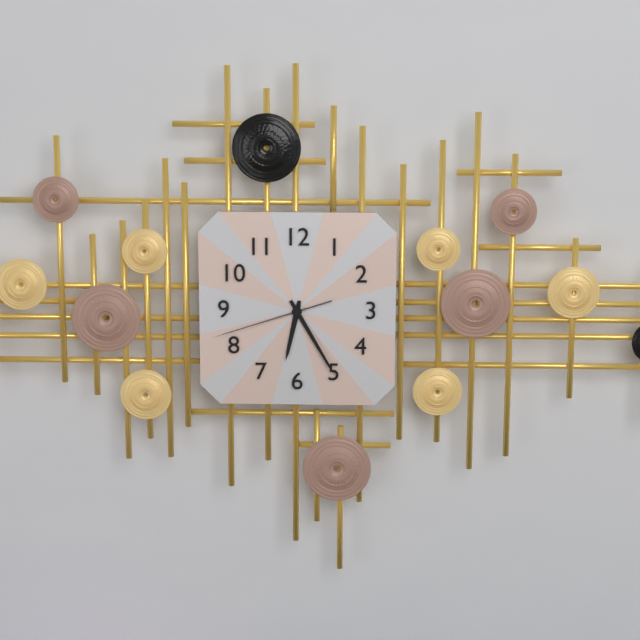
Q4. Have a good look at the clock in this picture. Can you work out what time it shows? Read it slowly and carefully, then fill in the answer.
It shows 6:25:42
